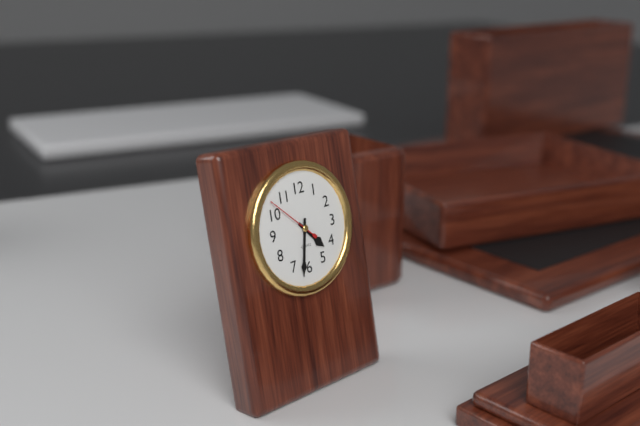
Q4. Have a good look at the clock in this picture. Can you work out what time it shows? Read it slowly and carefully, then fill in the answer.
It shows 4:32:52
